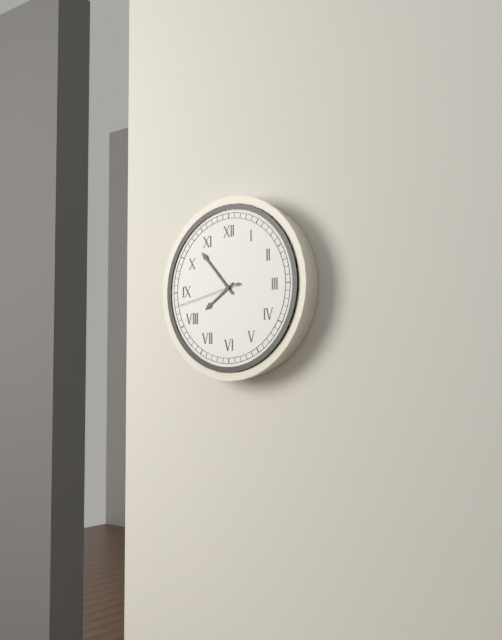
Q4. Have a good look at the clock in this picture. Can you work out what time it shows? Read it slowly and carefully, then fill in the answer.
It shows 7:53:43
